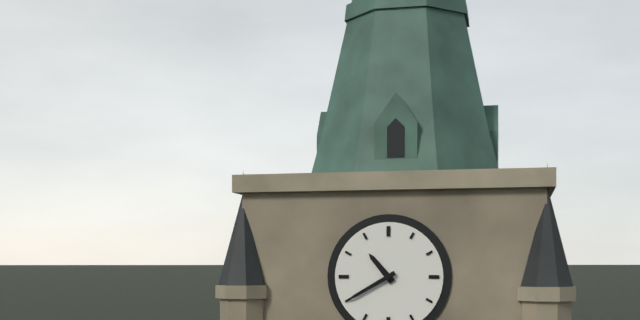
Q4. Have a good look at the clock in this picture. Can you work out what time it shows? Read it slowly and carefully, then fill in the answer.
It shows 10:40
